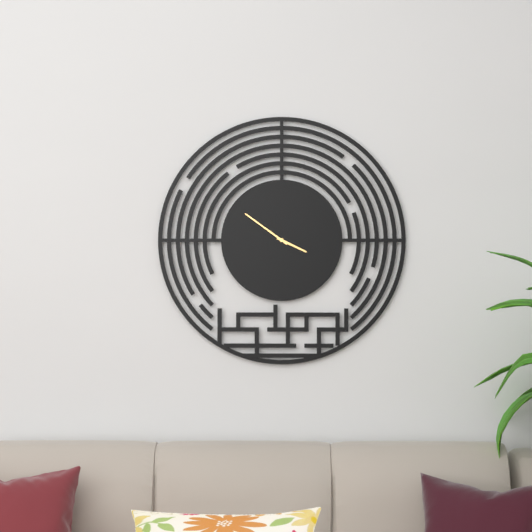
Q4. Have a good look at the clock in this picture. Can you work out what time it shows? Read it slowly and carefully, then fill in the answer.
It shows 3:51
